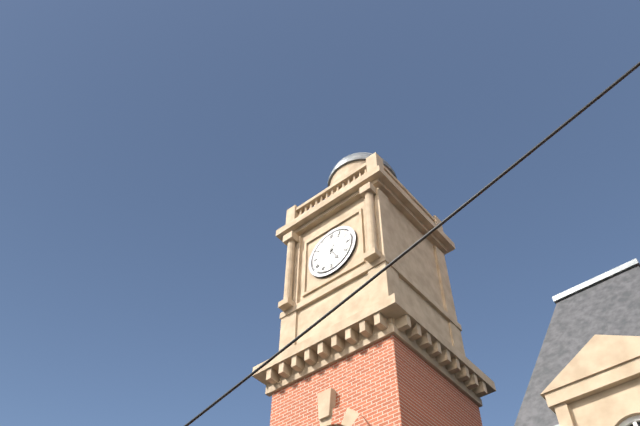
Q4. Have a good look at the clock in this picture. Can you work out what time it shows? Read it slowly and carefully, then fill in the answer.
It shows 5:05
